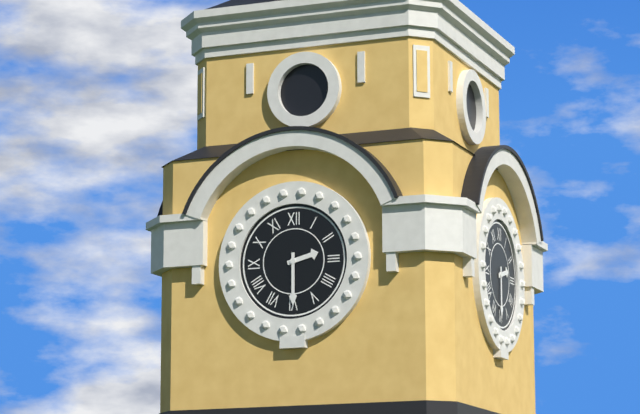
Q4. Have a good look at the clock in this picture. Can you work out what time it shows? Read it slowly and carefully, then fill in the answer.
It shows 2:30
